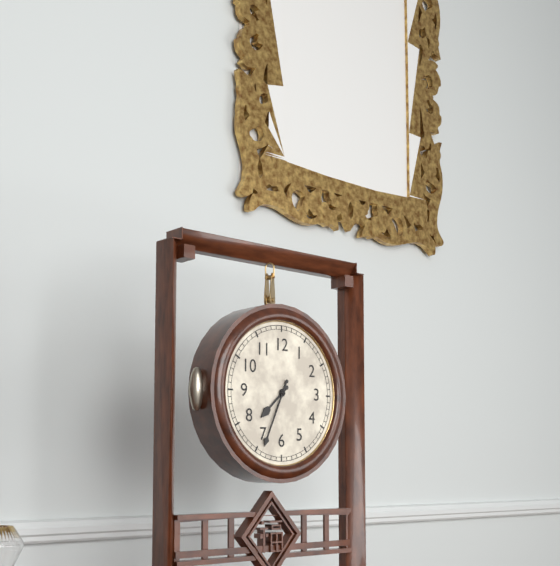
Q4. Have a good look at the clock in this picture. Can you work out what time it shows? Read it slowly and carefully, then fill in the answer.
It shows 7:34
